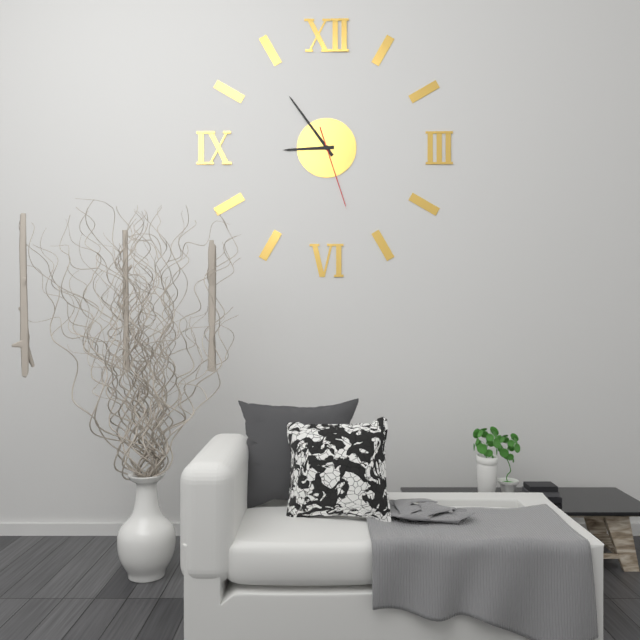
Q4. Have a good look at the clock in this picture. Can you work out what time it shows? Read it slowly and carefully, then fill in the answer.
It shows 8:54:27
